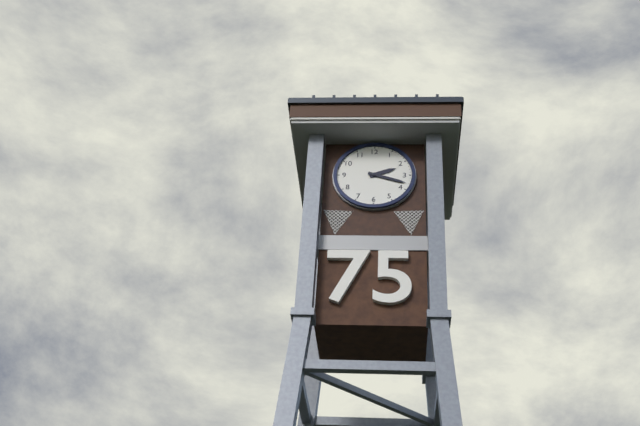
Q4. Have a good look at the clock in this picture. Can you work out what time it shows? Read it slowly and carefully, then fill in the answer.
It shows 2:18
